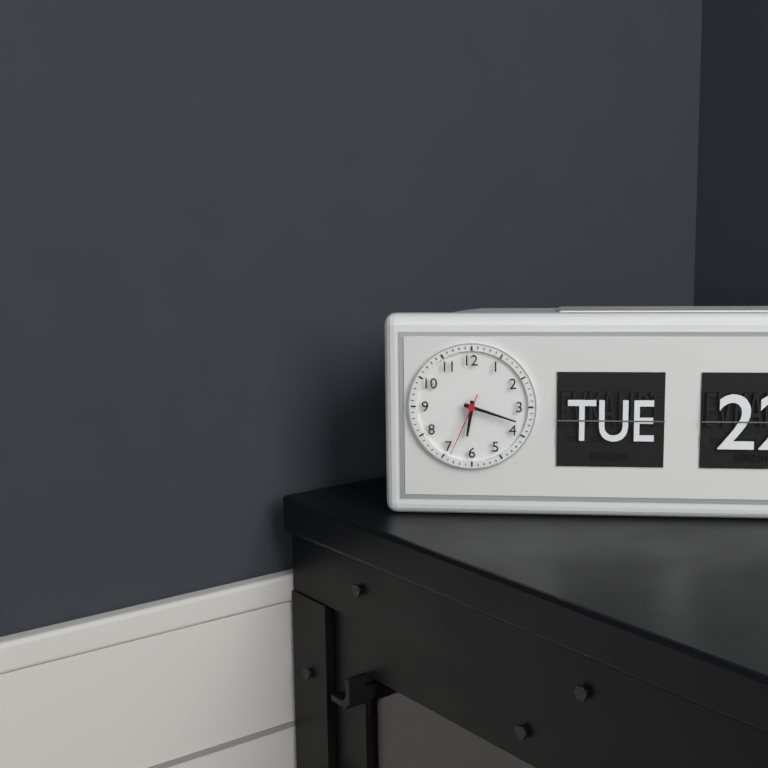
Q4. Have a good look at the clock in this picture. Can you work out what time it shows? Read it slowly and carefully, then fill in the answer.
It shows 6:18:34
